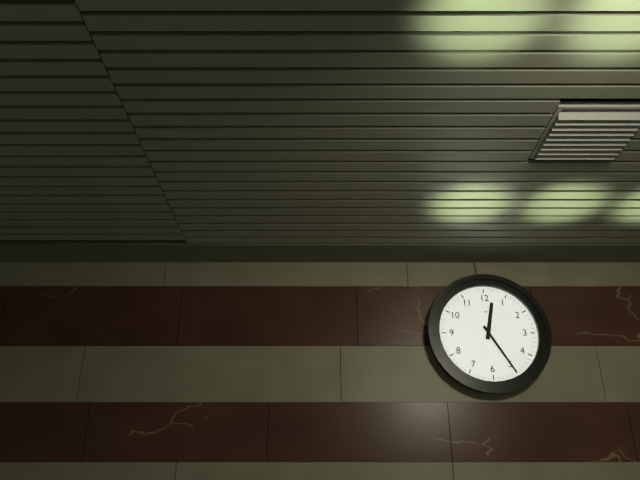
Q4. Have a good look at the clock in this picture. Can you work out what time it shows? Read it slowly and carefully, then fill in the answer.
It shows 12:25
